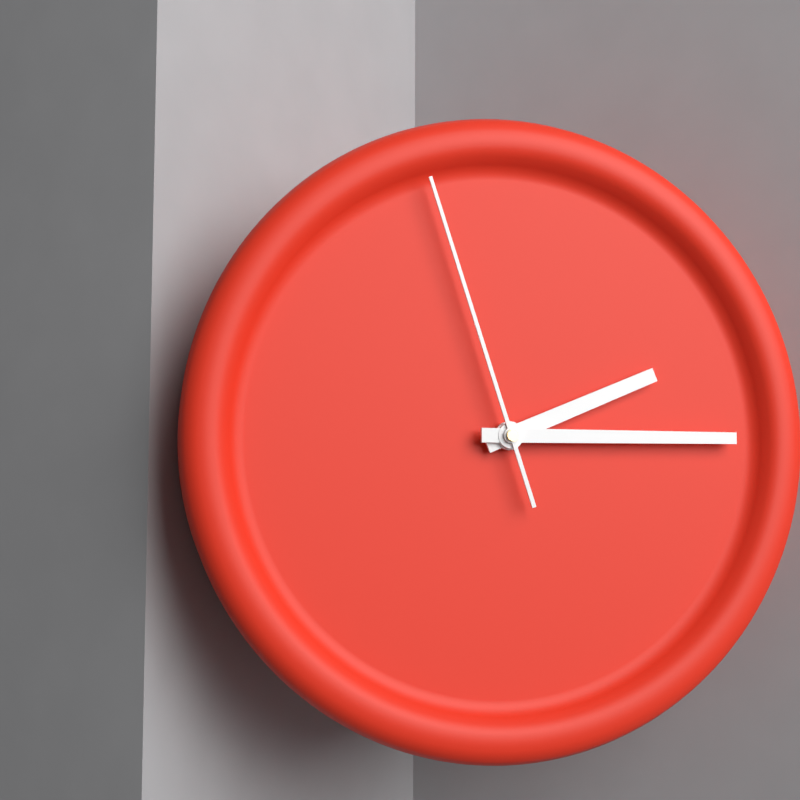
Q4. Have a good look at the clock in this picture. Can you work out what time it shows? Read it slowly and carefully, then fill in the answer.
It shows 2:15:57
